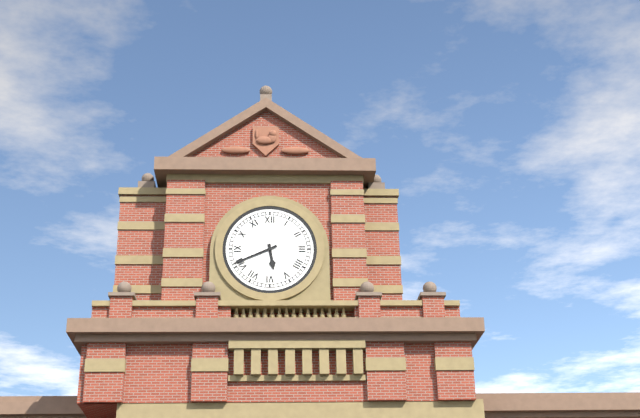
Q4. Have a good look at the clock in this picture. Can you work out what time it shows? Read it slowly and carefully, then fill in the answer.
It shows 5:41
